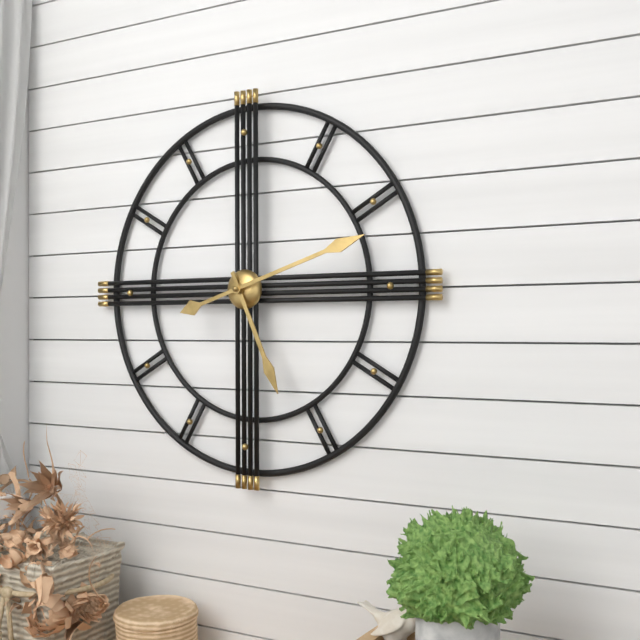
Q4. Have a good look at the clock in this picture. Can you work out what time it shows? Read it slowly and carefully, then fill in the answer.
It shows 5:12
